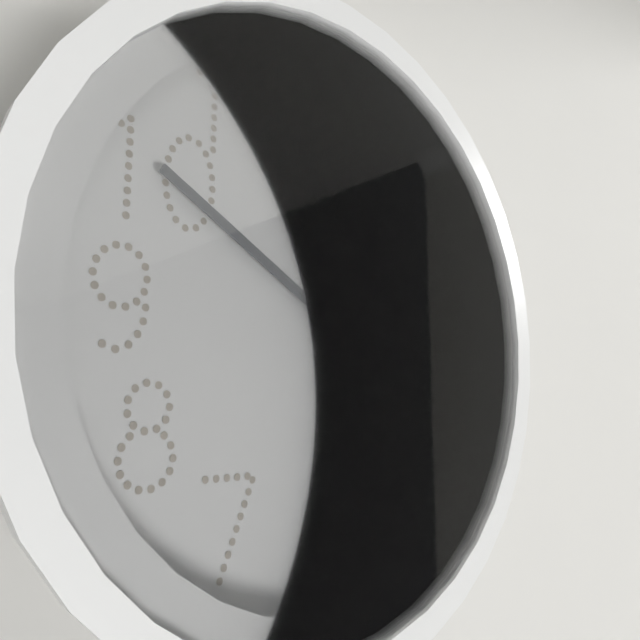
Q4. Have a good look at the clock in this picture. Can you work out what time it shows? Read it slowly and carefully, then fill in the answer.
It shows 3:50
